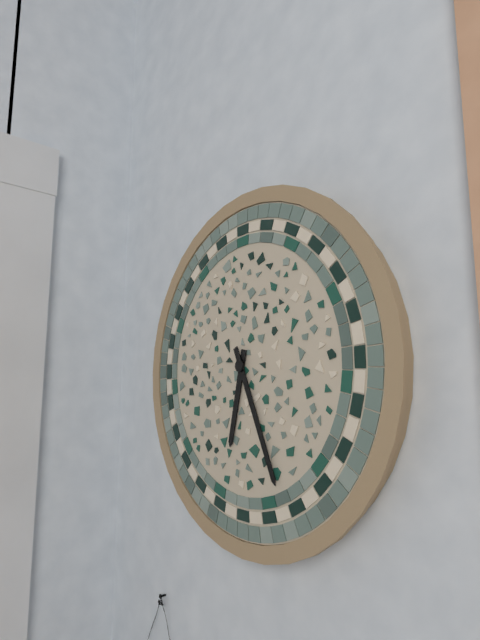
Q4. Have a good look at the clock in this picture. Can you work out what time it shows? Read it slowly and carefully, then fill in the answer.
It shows 6:26
